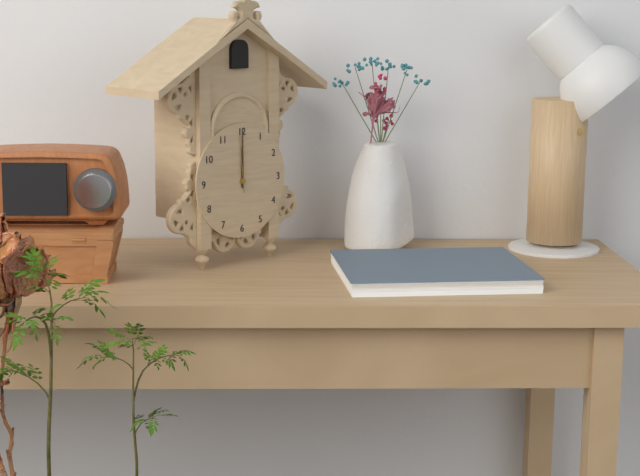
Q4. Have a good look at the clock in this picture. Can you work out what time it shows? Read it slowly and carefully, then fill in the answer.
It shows 12:00:59
